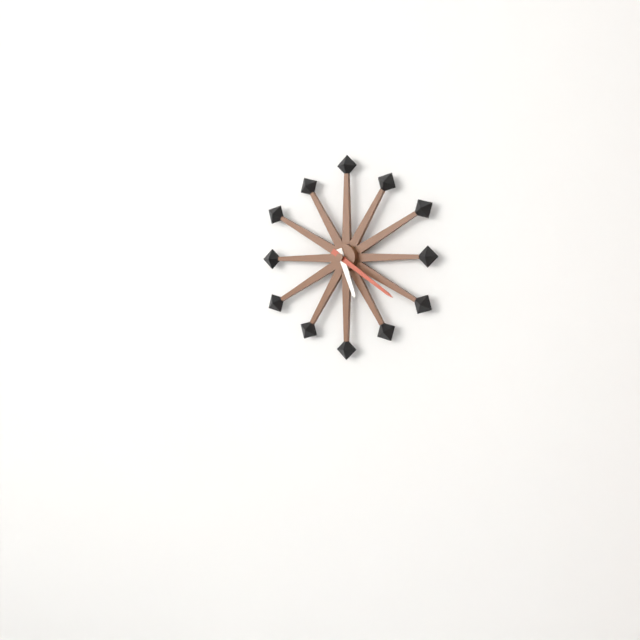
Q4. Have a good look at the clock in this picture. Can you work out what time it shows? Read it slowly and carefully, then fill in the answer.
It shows 5:21
